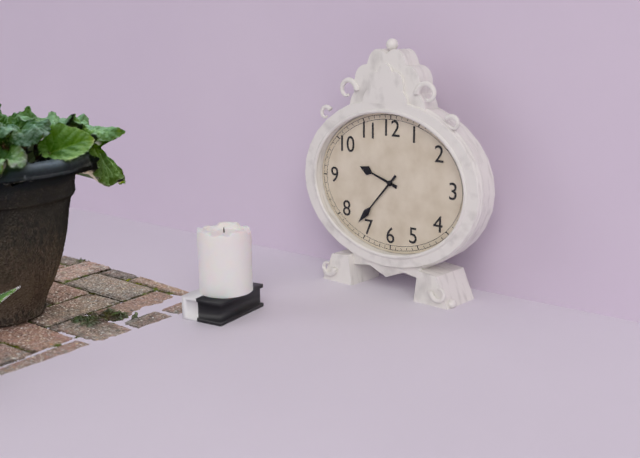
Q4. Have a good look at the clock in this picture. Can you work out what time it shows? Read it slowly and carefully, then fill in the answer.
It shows 9:37
